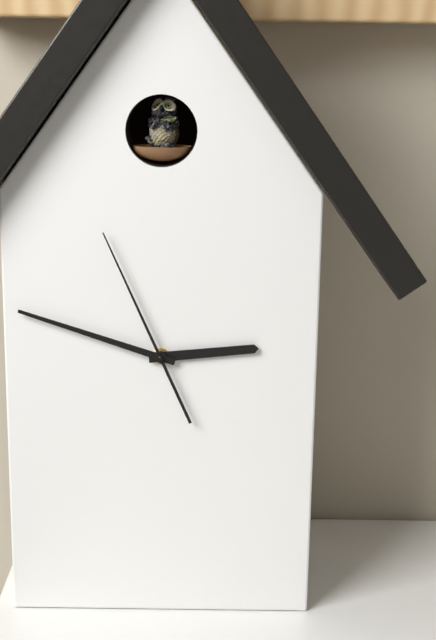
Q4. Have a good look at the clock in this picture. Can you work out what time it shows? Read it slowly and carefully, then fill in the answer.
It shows 2:48:56
